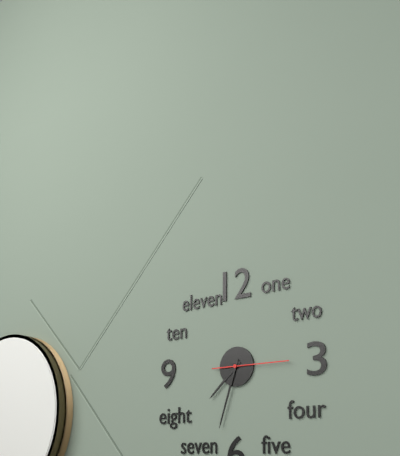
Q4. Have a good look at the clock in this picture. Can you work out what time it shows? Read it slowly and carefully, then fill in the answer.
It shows 7:33:15
